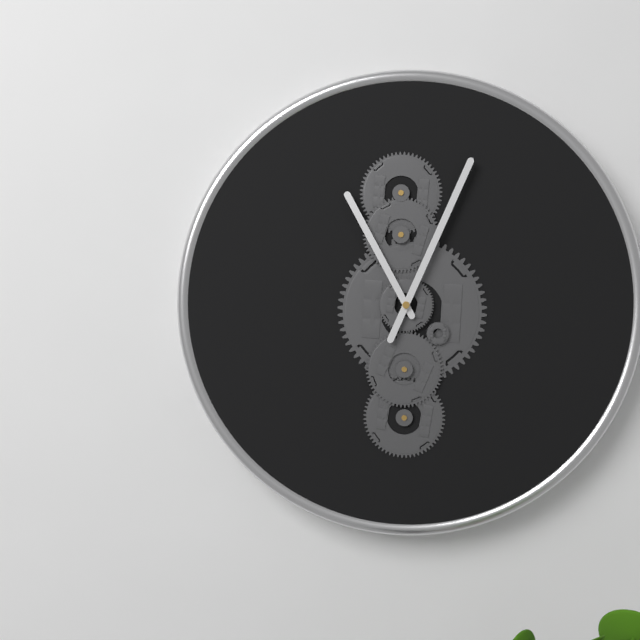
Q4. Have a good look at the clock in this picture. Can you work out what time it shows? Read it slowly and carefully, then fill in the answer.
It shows 11:04
